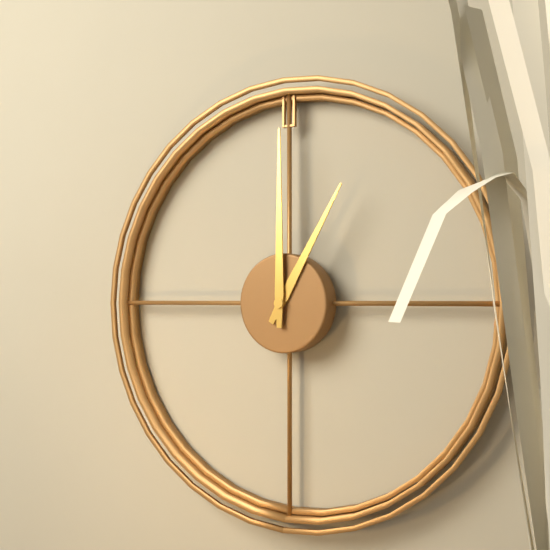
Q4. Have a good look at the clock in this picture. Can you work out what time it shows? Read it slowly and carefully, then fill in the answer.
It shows 1:00
